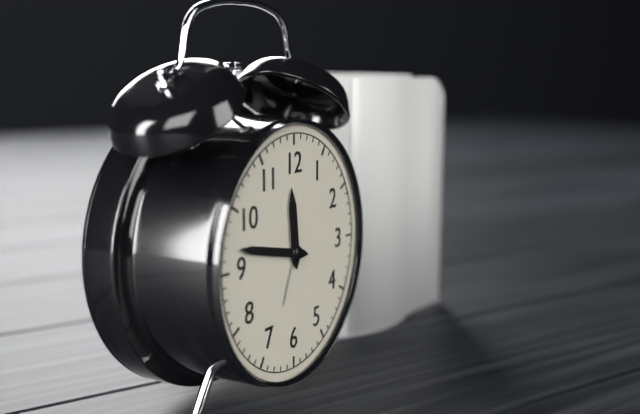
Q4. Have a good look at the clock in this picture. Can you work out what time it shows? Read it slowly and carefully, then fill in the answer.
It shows 11:47
